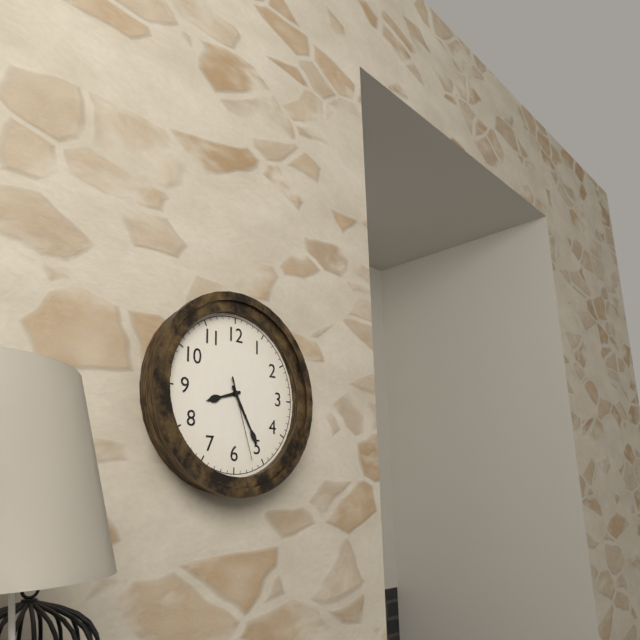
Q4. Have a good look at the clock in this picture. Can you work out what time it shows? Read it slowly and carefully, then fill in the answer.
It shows 8:25:27
